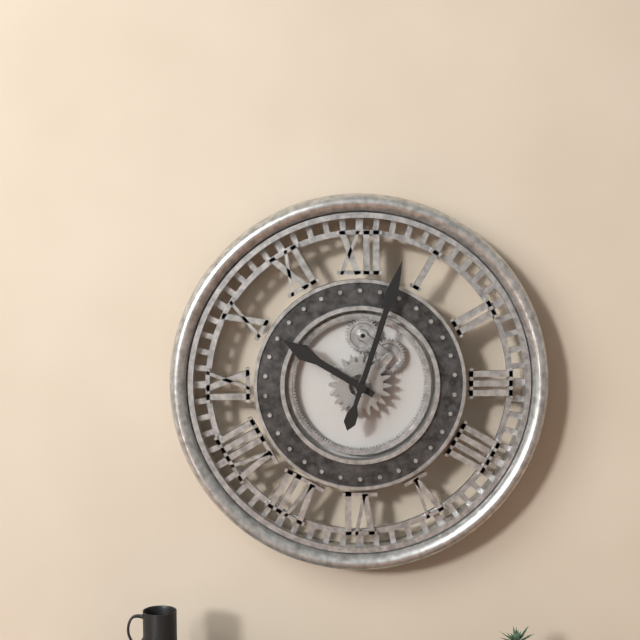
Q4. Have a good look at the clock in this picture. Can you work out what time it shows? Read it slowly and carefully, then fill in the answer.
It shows 10:03
